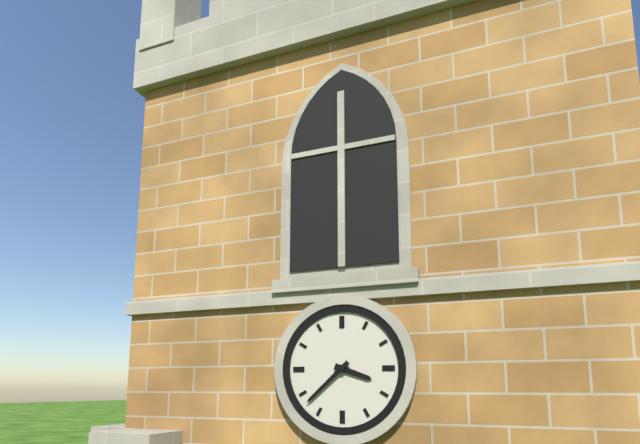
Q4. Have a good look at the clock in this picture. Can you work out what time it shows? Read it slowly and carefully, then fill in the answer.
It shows 3:38
